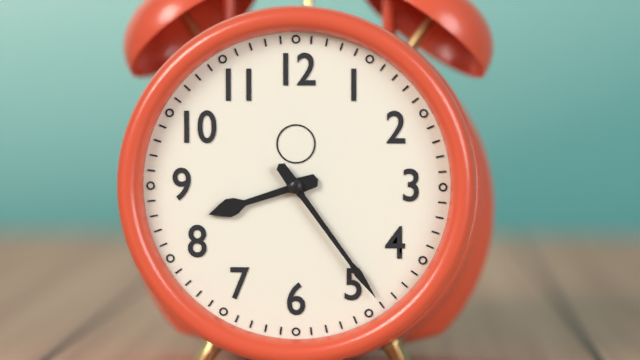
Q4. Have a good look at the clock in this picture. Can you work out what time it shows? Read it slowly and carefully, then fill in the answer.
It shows 8:24
